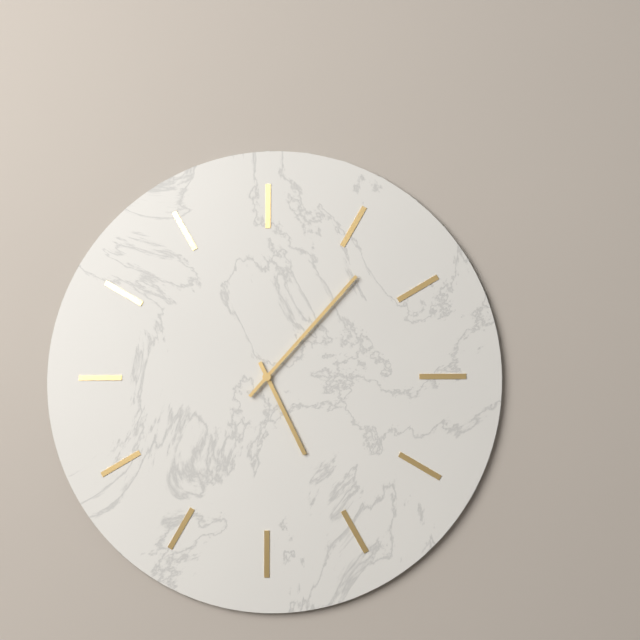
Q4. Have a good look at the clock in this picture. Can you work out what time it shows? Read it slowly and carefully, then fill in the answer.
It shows 5:07
